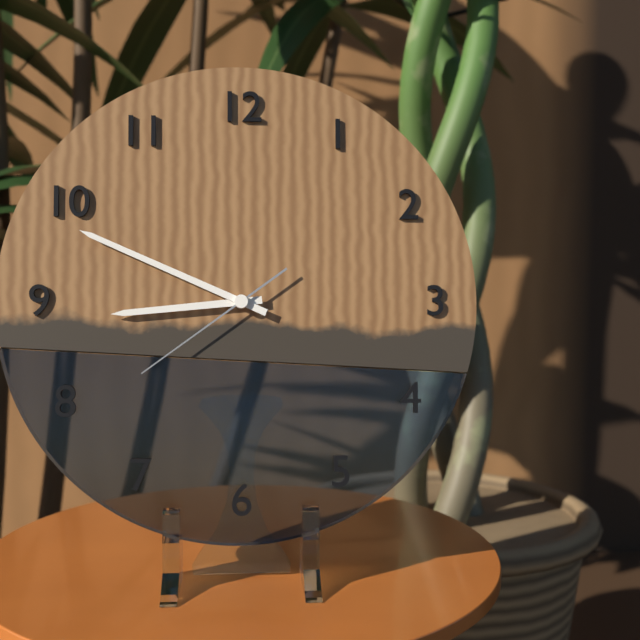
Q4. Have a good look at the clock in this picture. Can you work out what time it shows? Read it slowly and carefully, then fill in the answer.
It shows 8:49:39
